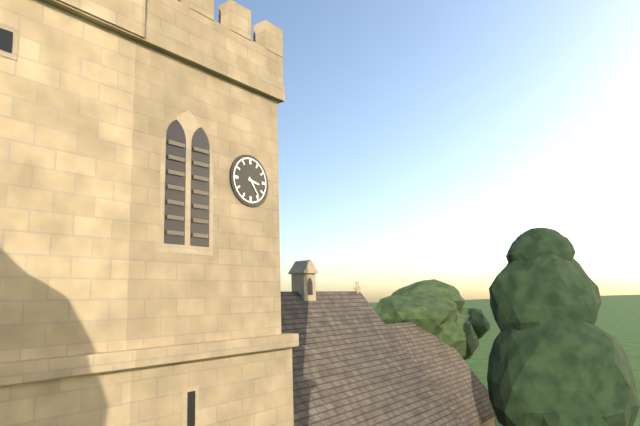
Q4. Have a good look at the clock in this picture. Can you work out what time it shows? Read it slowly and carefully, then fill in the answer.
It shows 3:24
